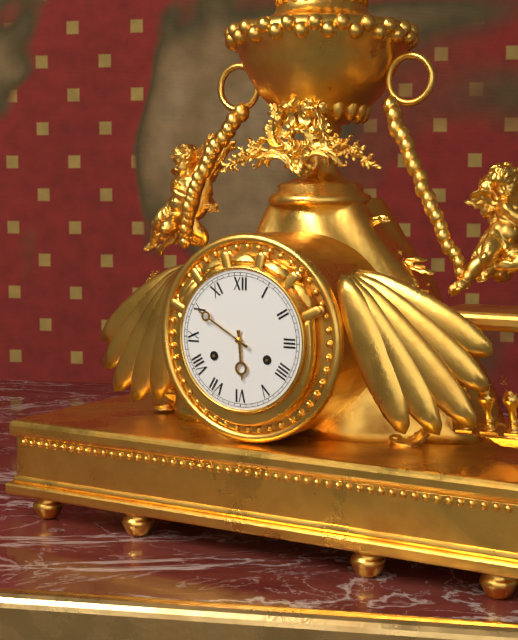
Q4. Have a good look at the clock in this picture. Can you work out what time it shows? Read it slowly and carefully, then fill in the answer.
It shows 5:50
